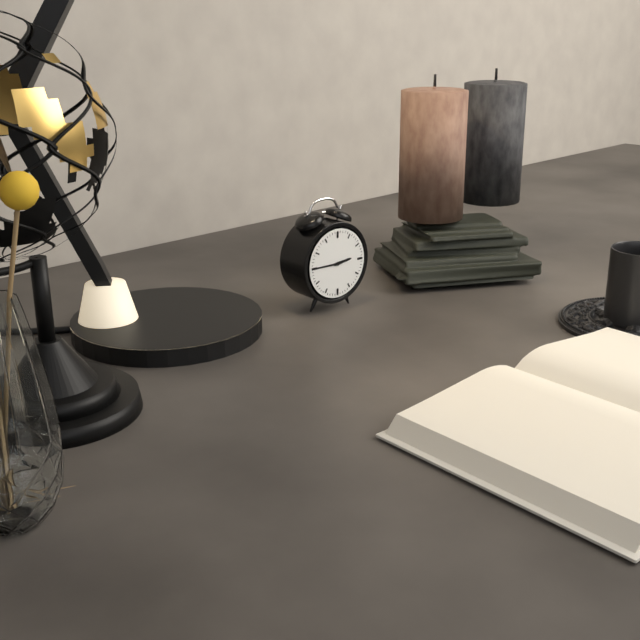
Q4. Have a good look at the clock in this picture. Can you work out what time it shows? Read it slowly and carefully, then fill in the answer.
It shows 2:45
